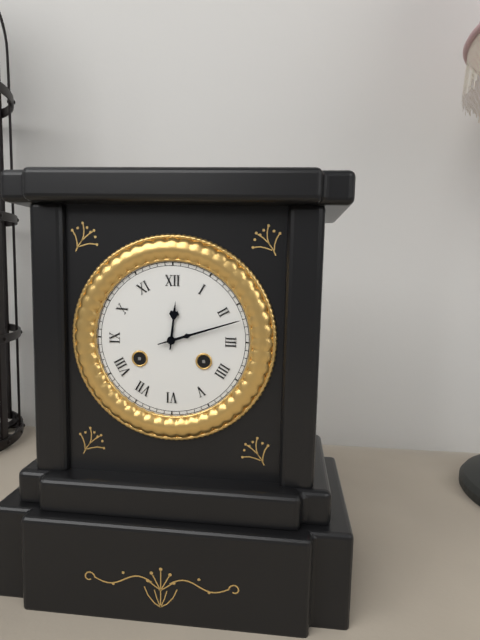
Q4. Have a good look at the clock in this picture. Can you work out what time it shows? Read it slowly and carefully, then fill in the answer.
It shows 12:12
